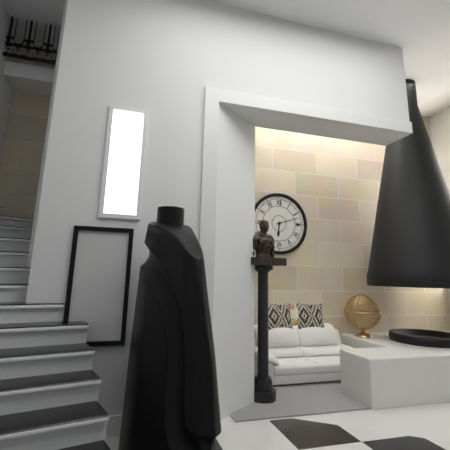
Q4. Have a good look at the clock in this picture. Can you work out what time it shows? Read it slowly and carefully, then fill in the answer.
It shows 6:12
